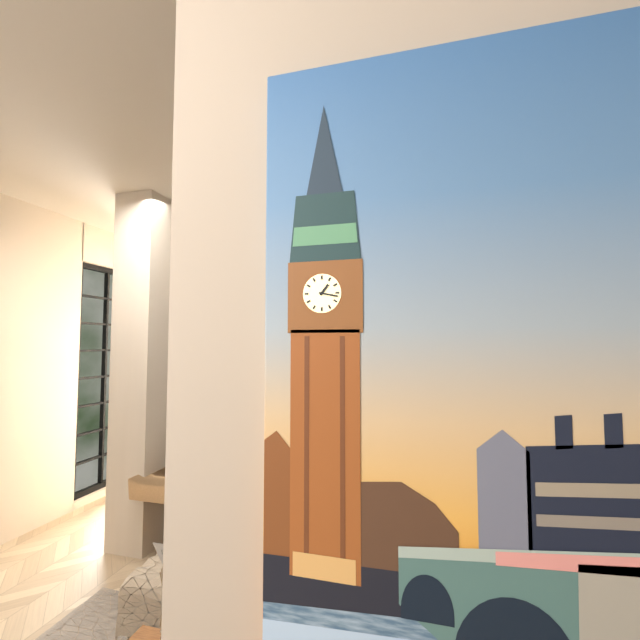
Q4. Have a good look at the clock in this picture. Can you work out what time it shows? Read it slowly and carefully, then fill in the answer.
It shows 1:17
